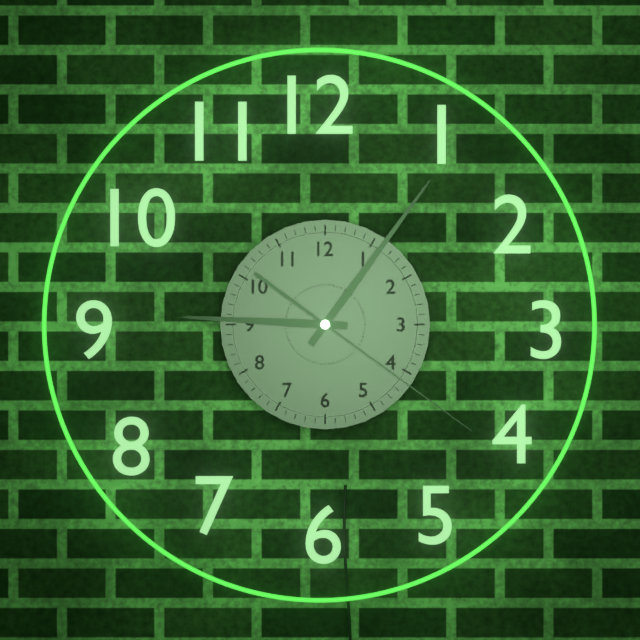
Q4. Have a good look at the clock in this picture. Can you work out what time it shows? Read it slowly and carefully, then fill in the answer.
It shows 9:06:21
